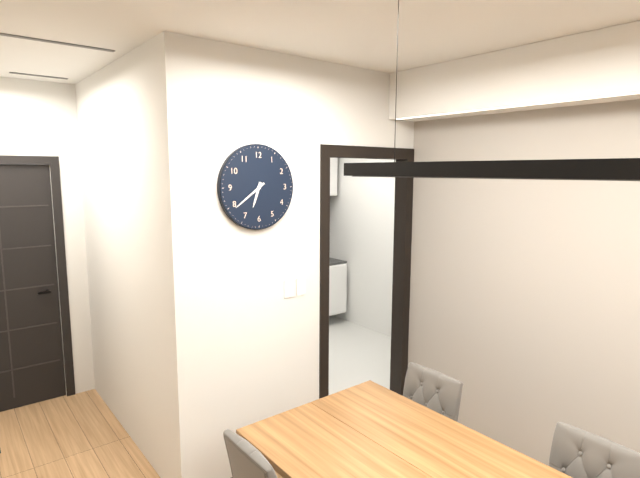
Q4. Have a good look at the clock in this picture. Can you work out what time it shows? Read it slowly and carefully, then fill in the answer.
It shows 6:39
